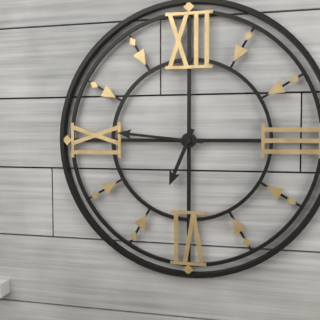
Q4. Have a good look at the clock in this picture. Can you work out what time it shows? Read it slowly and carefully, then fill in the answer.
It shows 6:46
